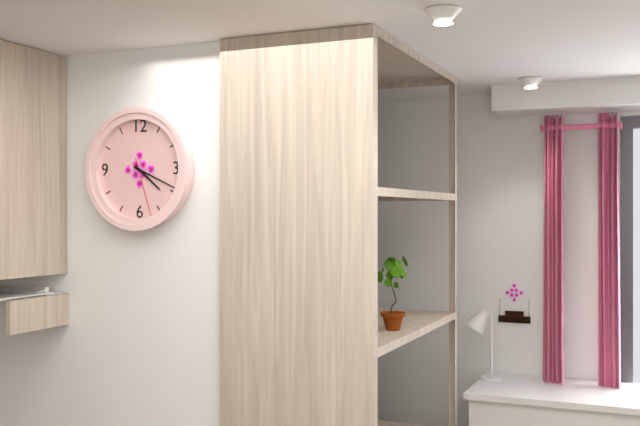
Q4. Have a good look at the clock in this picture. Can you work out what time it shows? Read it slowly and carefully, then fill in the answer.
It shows 4:19:27
